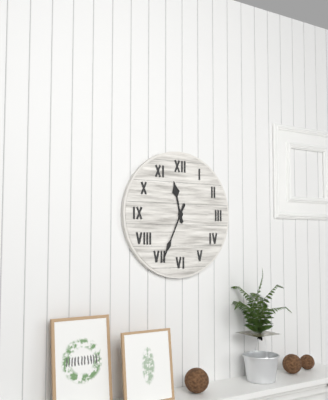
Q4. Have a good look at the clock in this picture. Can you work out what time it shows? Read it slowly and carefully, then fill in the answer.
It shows 11:34
